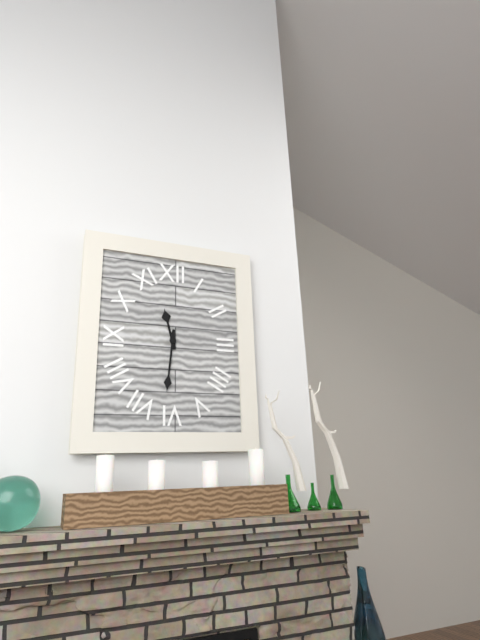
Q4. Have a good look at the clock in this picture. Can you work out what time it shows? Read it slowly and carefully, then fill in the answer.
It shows 11:31
